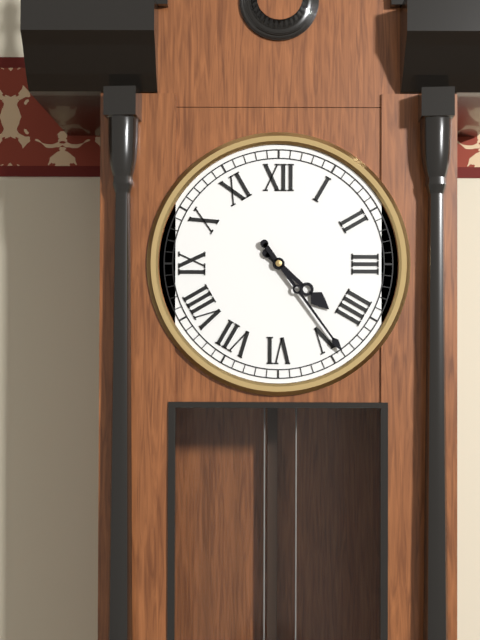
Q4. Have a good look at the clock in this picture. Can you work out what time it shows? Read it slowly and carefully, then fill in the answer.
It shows 4:24
